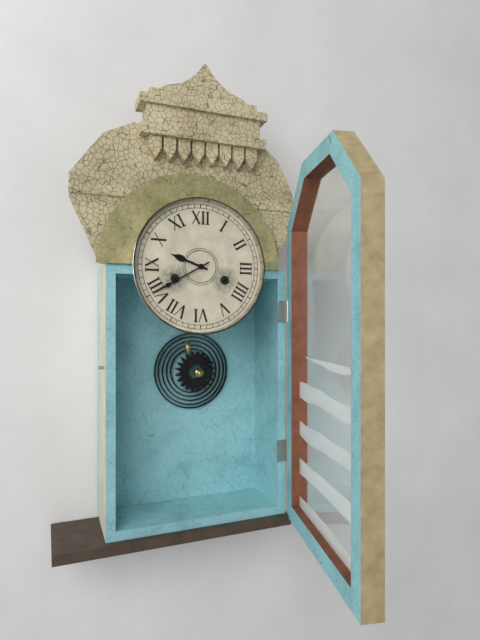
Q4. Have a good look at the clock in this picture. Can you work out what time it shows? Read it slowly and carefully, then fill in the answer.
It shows 9:40
